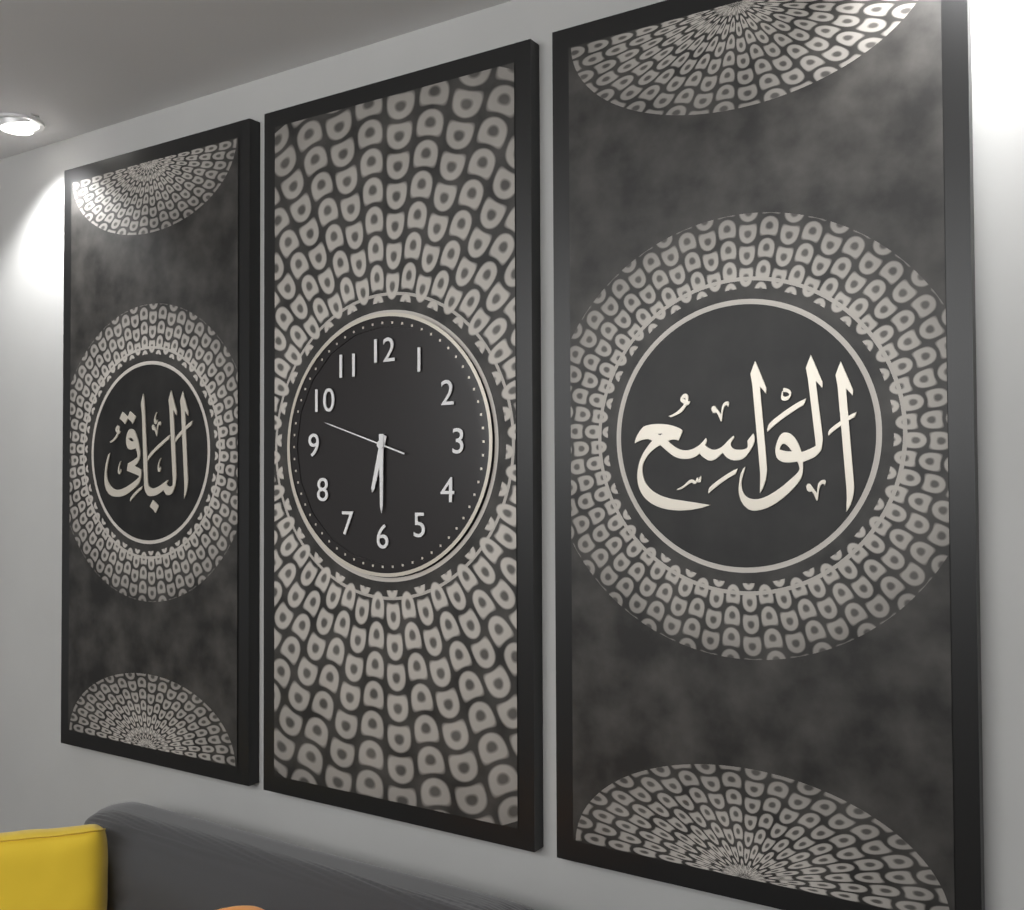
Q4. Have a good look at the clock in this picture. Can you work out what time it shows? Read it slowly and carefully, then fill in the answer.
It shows 6:30:48
